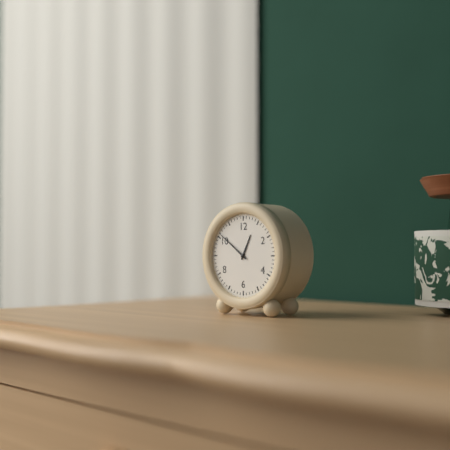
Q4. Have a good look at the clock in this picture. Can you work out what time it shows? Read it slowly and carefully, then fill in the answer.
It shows 12:51
